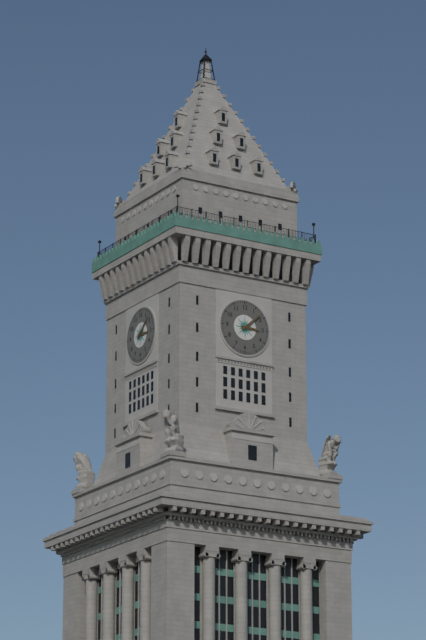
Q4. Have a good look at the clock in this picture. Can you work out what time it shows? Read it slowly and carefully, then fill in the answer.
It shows 3:08
